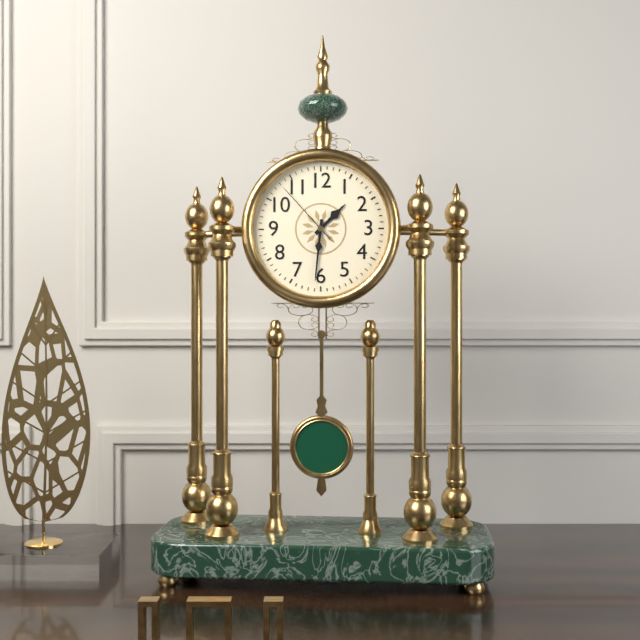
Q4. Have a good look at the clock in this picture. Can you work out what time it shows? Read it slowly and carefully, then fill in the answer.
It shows 1:31:53
